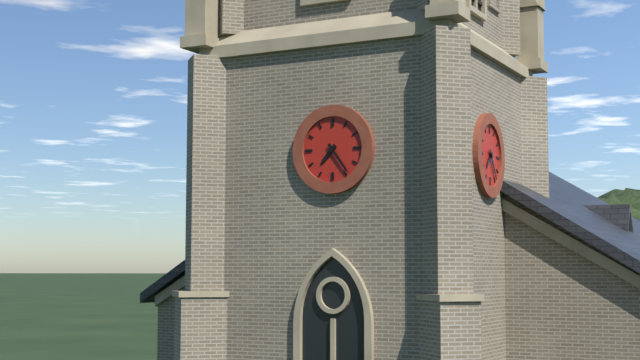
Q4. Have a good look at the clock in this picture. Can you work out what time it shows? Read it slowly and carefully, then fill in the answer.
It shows 7:24
